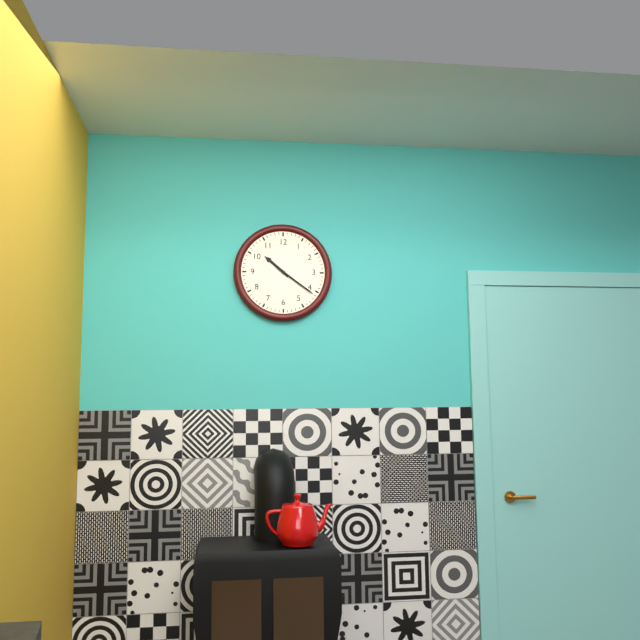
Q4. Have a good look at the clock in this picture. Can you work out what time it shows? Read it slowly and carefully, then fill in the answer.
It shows 10:21
